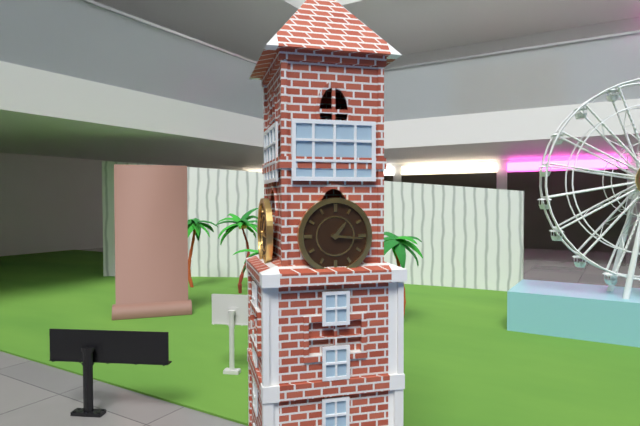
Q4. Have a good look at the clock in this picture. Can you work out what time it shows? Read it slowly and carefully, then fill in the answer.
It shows 1:16
